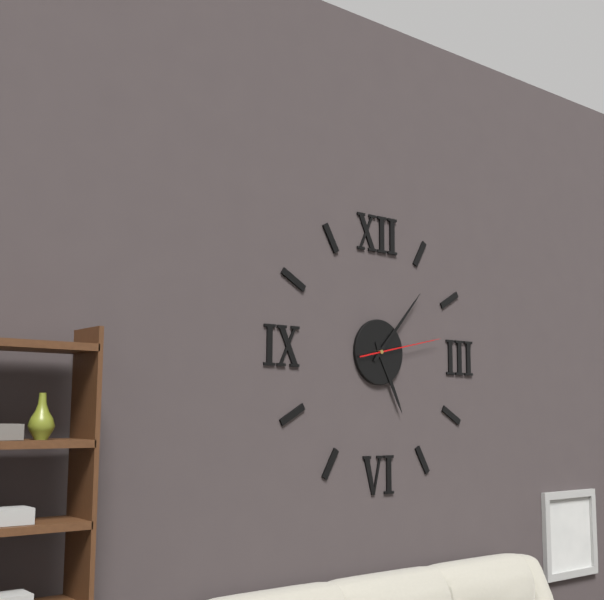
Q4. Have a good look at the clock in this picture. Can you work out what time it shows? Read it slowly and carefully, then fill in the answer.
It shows 5:07:13
